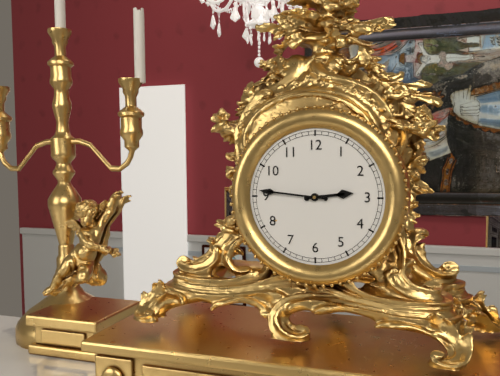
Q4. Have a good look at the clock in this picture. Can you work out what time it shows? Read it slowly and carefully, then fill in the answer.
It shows 2:46
